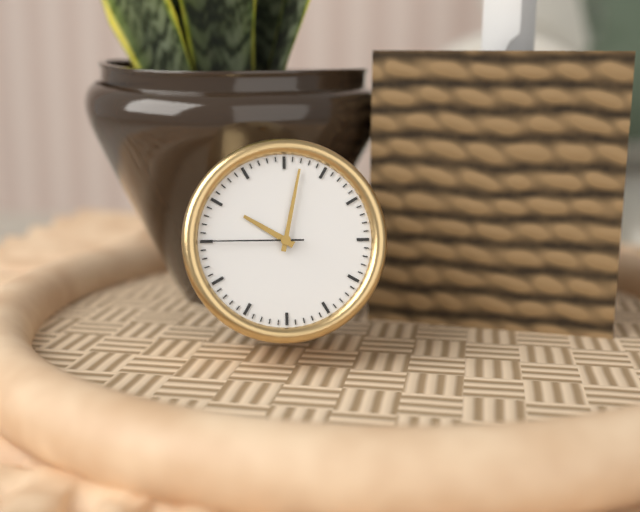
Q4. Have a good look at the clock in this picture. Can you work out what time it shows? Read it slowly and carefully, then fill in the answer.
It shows 10:02:45
